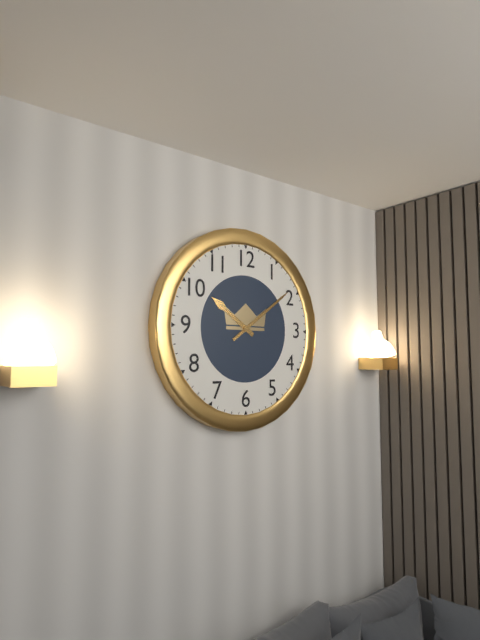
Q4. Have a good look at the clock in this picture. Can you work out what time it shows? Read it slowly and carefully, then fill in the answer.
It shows 10:09
